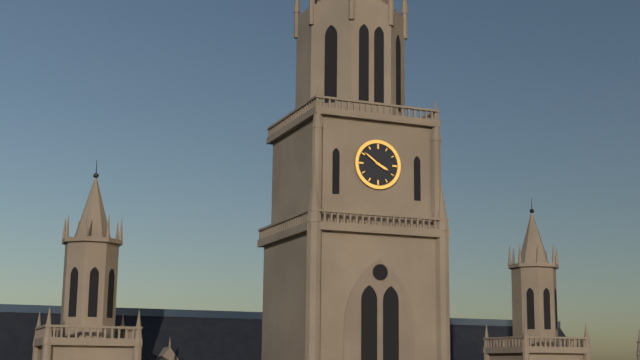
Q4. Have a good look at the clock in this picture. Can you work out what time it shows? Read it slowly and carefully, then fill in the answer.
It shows 3:51
